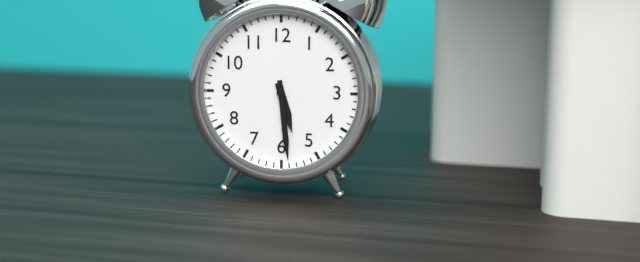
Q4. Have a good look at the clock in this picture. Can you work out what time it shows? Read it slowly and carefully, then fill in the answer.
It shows 5:29
